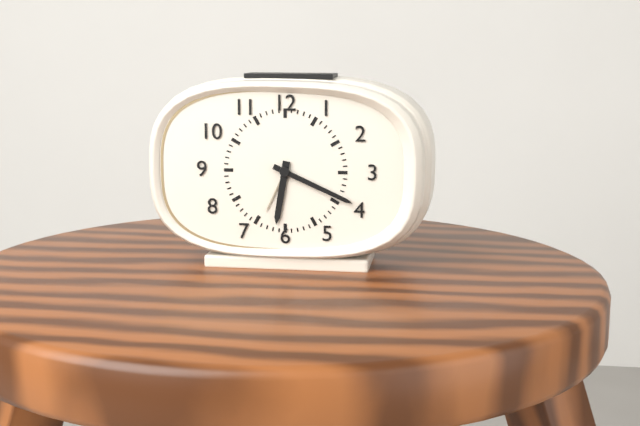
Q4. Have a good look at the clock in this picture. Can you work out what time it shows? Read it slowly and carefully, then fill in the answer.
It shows 6:19
